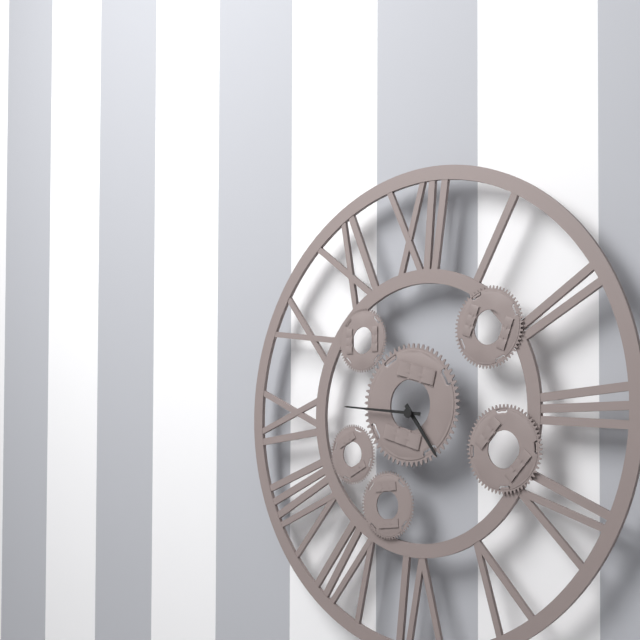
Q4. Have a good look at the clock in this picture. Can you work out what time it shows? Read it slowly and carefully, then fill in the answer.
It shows 4:46
